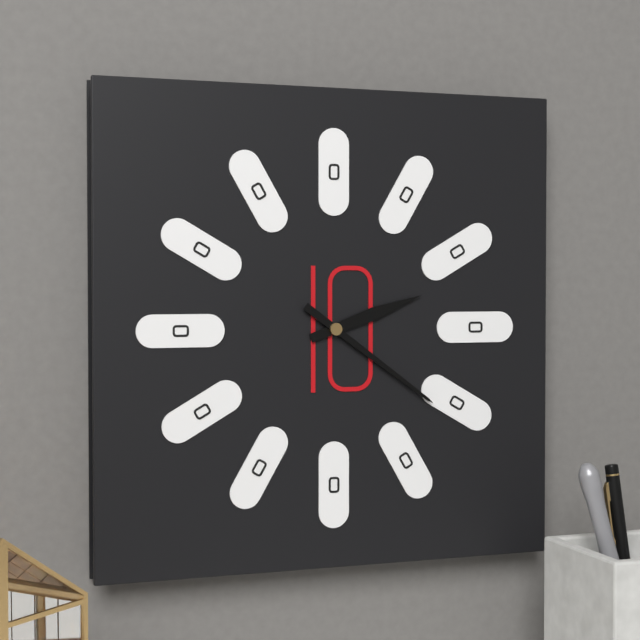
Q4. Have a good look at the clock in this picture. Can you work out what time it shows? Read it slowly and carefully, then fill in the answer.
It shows 2:21
